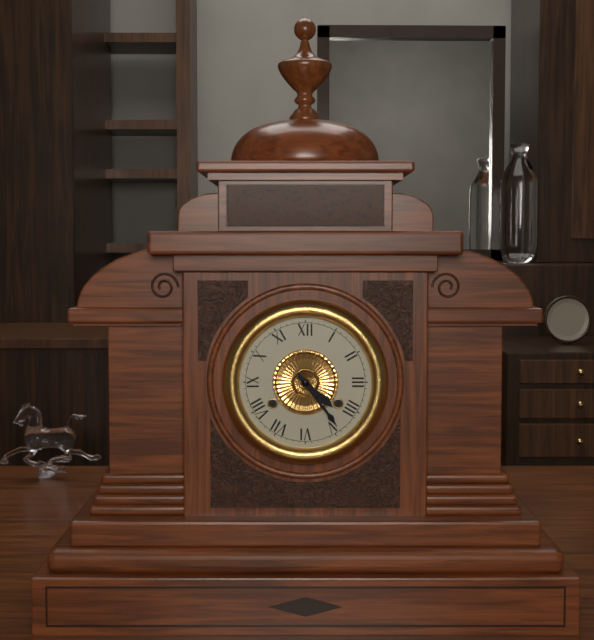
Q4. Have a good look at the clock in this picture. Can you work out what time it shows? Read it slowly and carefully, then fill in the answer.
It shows 4:24
